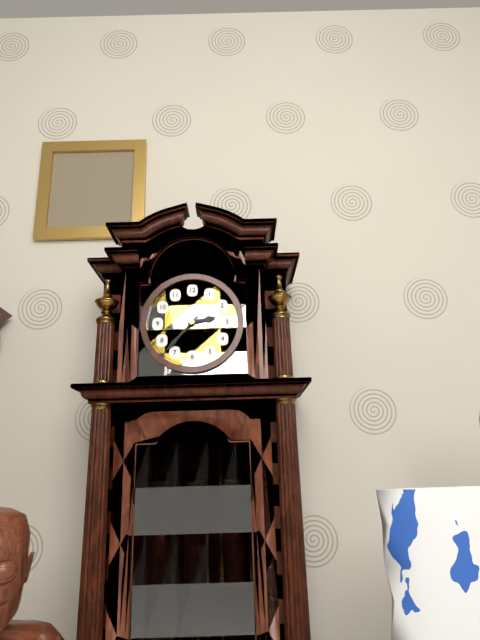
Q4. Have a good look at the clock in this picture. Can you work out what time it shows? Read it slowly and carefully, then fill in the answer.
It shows 2:37
